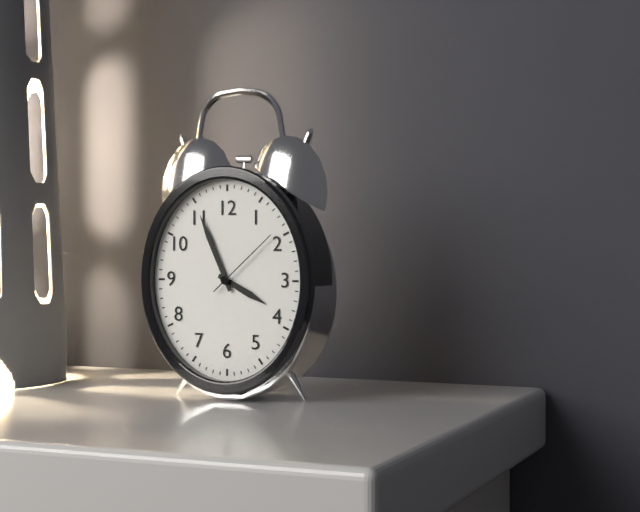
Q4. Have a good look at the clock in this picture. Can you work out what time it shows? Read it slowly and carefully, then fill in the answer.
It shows 3:56:08
